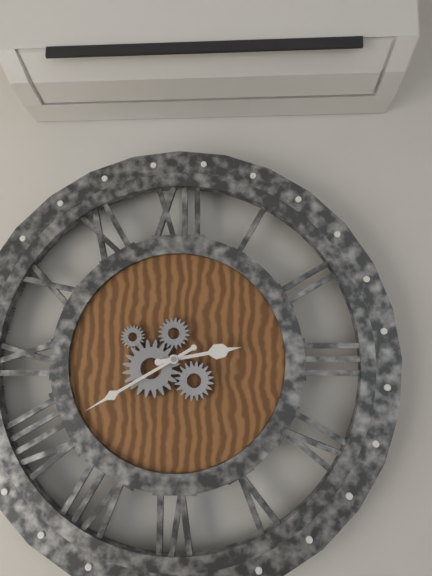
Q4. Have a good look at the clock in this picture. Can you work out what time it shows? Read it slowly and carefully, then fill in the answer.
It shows 2:40
